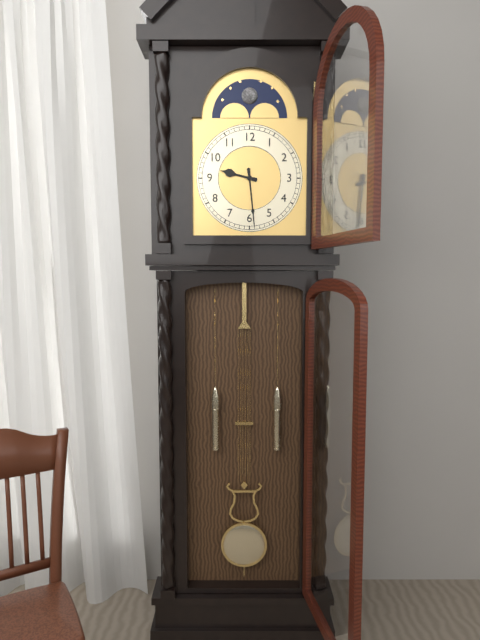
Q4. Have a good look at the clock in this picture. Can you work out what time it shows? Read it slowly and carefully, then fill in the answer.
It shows 9:29
